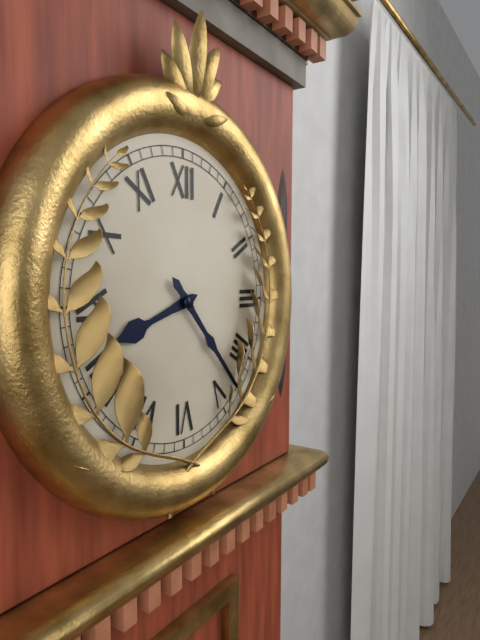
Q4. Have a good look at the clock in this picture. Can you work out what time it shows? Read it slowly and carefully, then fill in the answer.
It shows 8:23
